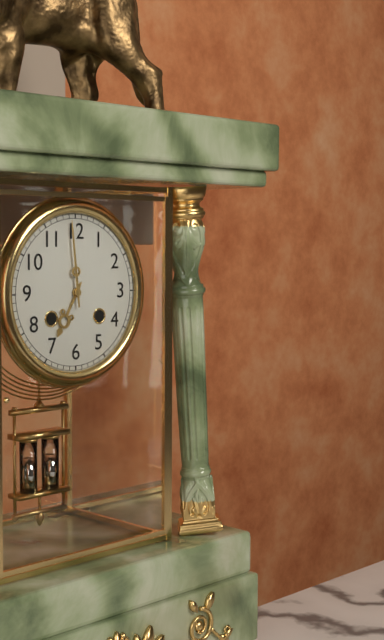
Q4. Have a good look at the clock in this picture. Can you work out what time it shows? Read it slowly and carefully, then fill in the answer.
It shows 6:59
